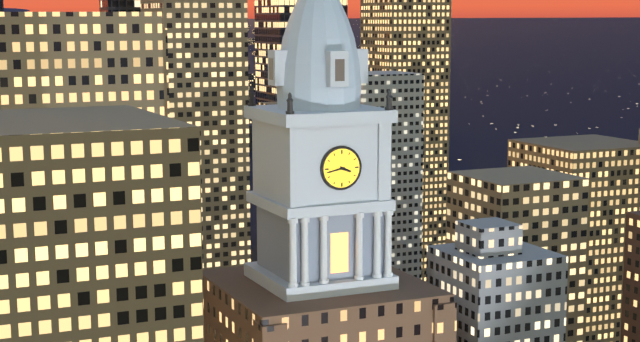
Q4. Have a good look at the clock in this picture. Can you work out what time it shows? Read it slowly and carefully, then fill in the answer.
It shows 3:43
